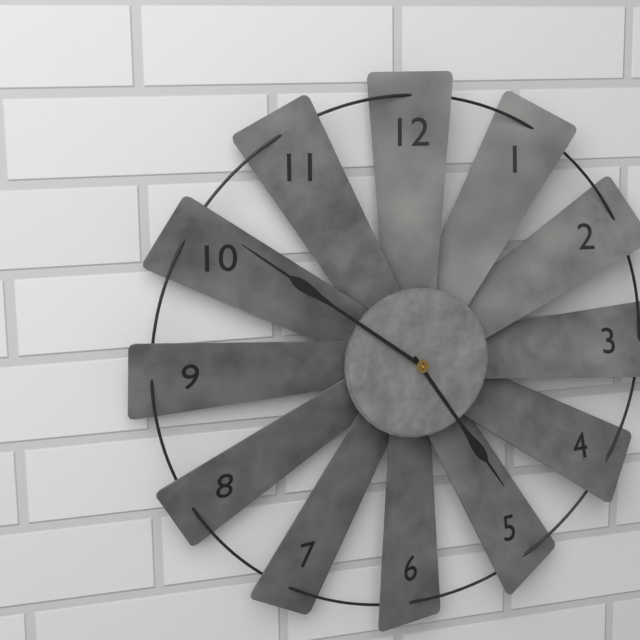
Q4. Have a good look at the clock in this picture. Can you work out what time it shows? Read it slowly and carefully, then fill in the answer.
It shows 4:51
